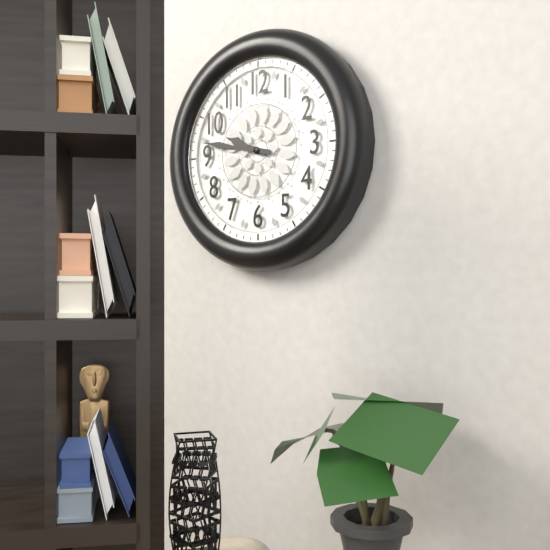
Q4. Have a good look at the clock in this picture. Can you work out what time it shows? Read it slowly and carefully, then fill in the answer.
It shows 9:47
